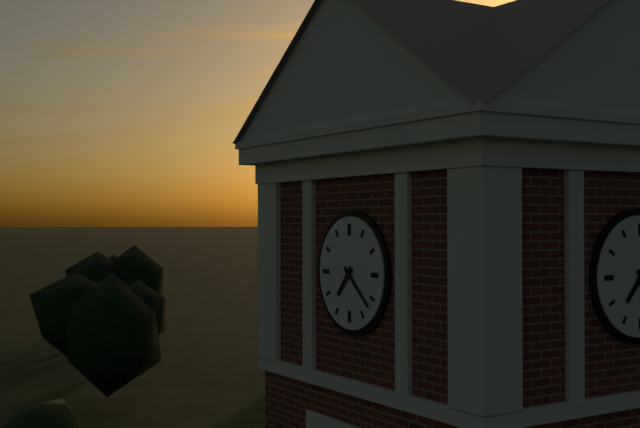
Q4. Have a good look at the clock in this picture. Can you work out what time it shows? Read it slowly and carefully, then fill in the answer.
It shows 7:22
